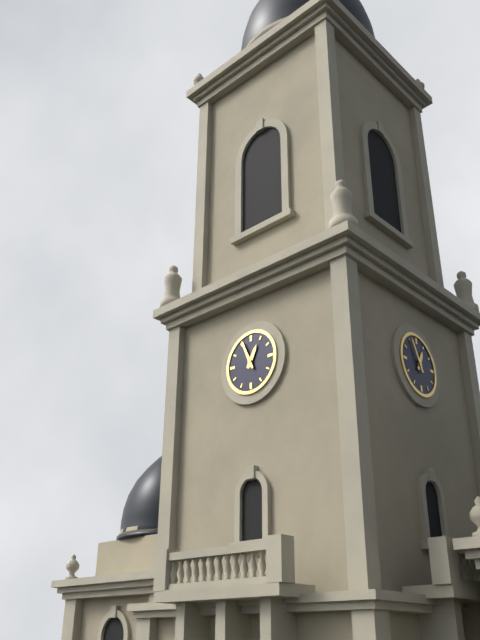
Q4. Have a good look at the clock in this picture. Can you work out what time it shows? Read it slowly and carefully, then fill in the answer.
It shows 12:56
